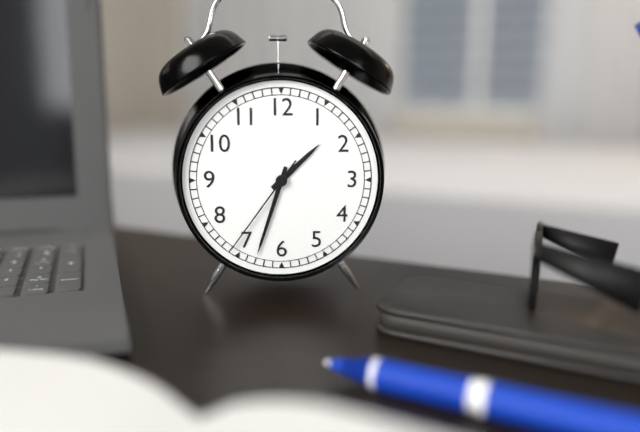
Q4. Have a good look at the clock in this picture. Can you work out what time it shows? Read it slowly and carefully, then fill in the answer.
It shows 1:33:36
